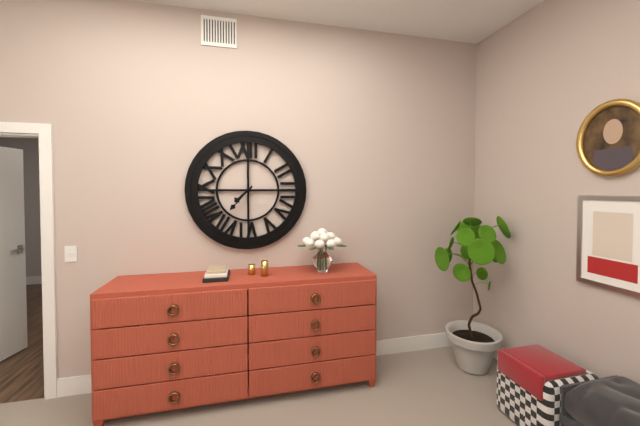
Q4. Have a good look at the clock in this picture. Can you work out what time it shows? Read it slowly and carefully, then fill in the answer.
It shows 7:37
